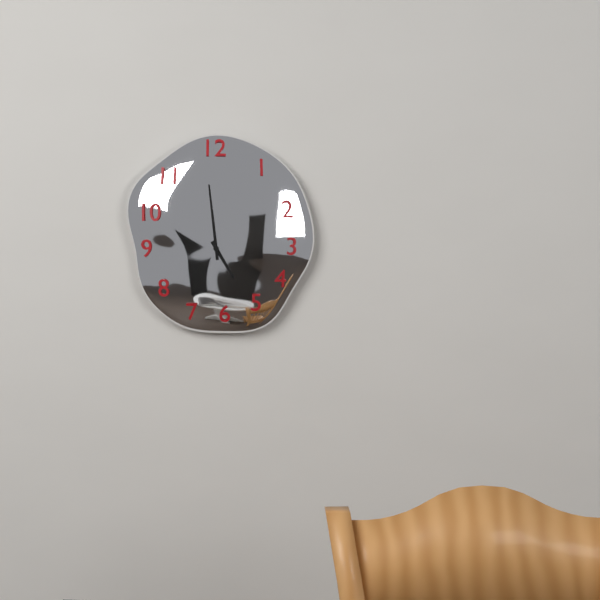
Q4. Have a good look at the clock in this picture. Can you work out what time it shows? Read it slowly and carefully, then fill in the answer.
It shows 4:59
